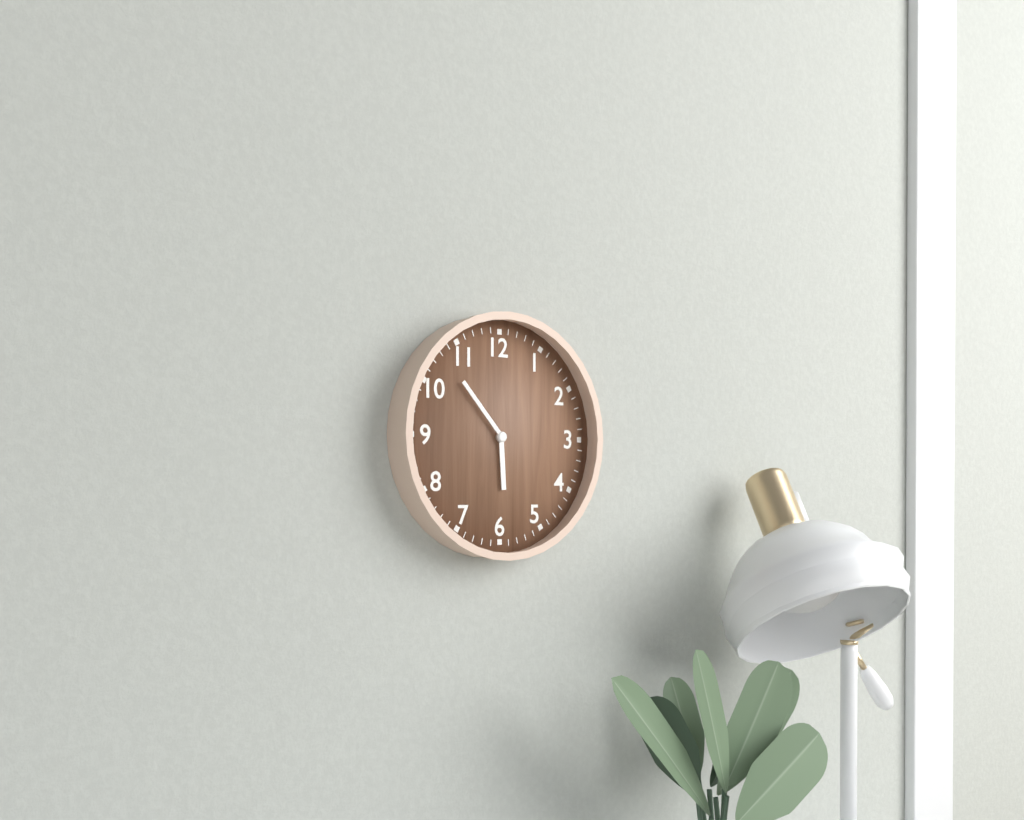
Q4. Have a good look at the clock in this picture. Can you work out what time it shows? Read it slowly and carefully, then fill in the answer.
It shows 5:53
